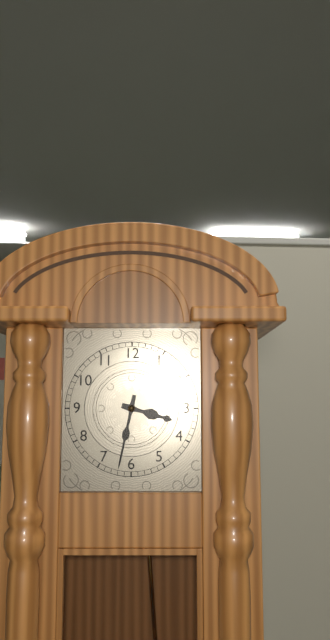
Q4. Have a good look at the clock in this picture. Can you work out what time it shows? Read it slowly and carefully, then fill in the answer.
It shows 3:32
